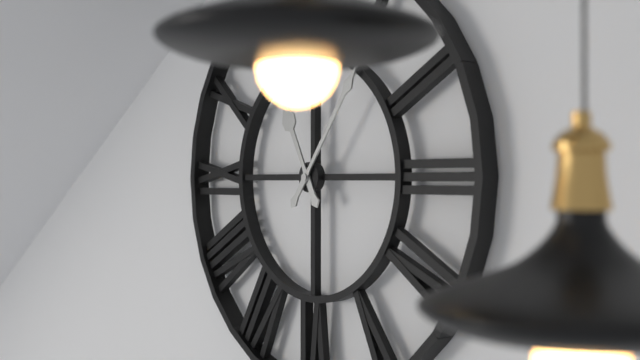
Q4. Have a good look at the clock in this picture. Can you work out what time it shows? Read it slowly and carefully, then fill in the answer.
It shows 11:06
